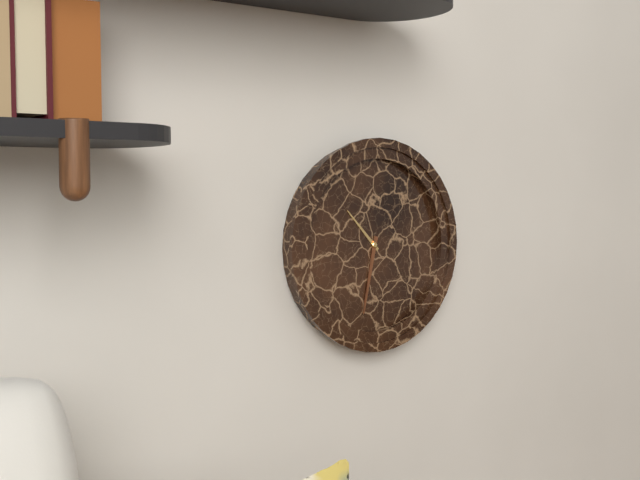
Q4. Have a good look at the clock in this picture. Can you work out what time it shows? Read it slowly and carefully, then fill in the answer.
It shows 10:32
